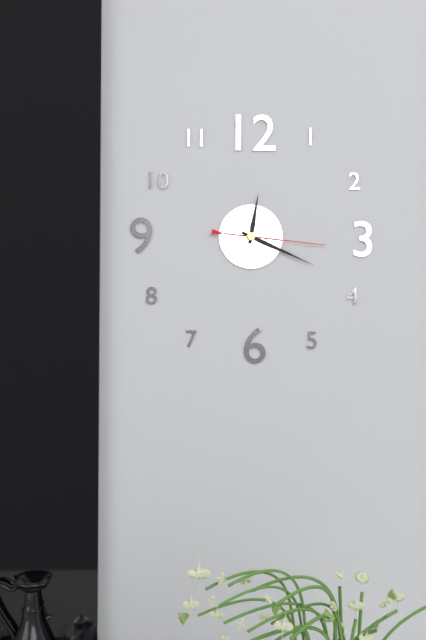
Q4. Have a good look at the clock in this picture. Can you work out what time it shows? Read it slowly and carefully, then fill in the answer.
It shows 12:19:16
